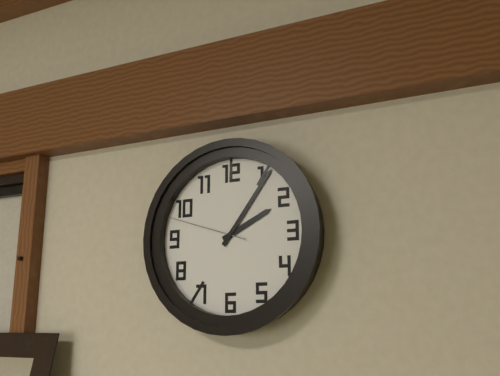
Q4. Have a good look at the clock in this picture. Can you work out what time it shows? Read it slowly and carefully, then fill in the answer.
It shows 2:06:48
